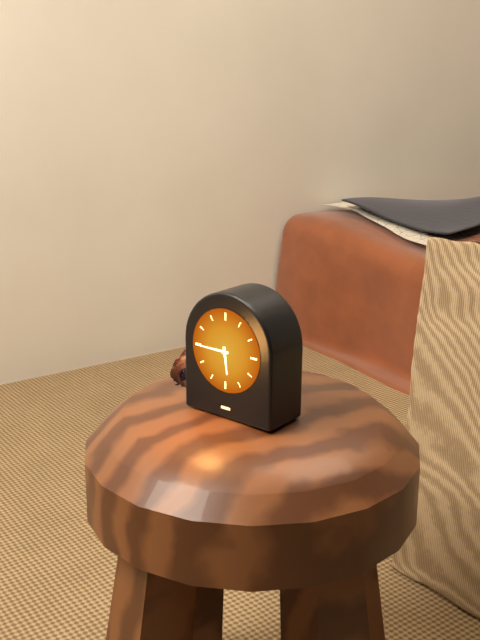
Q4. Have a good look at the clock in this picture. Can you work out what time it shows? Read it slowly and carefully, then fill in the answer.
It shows 5:45
